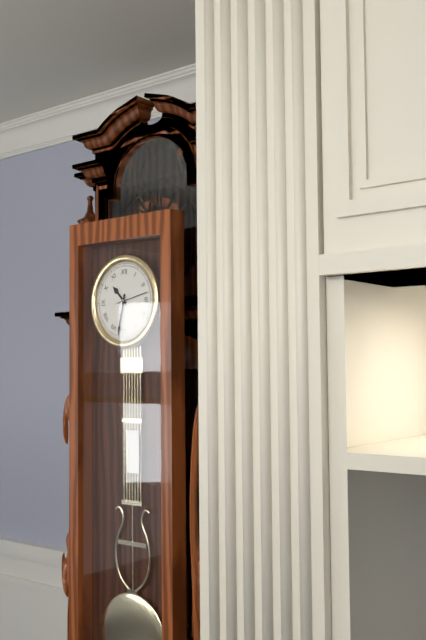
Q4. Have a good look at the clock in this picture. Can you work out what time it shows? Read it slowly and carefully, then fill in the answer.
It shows 10:32
